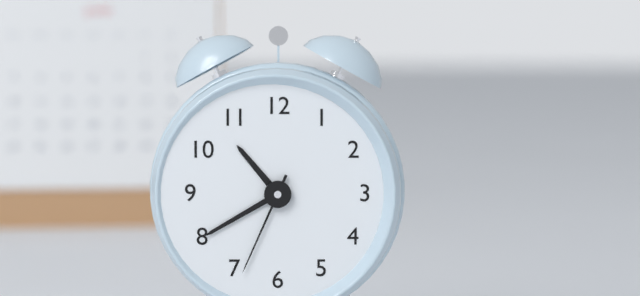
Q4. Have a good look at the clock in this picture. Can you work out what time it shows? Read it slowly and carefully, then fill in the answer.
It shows 10:40:34
